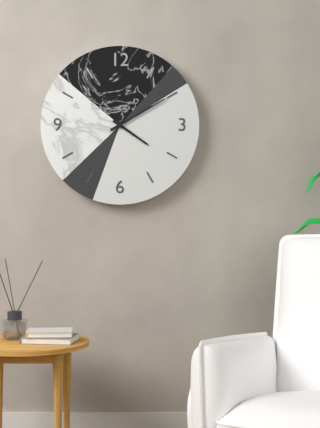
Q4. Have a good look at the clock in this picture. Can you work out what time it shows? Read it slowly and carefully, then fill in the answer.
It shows 4:10
